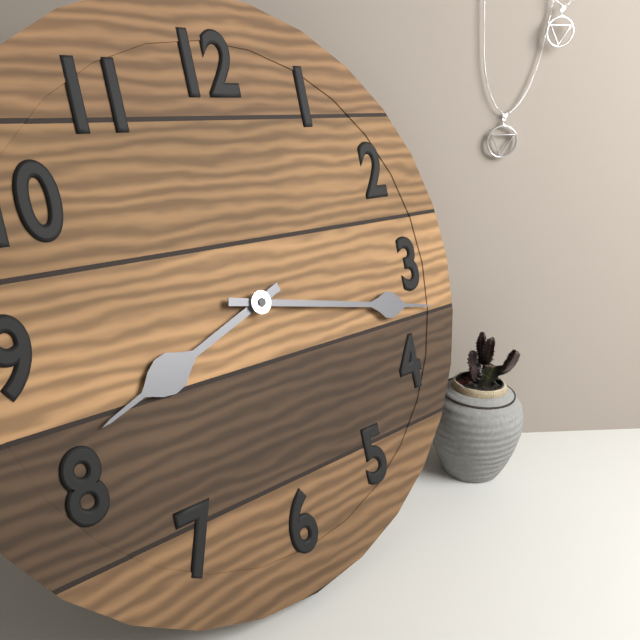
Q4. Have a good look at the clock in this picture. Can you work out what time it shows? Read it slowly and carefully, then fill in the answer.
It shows 8:17
